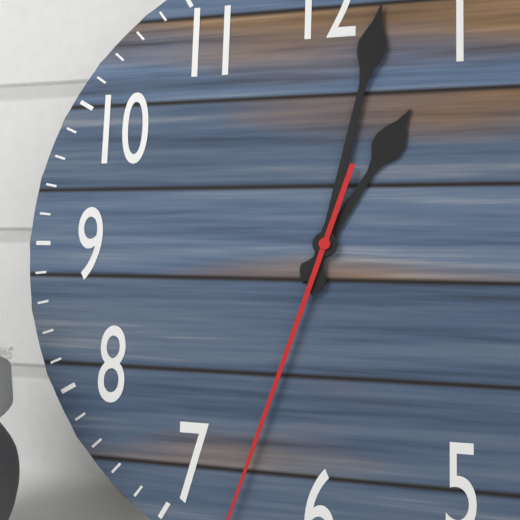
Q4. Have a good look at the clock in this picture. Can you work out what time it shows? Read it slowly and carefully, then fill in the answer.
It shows 1:02
